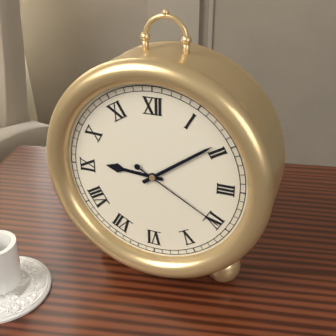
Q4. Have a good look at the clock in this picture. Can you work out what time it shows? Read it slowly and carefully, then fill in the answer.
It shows 9:09:20
